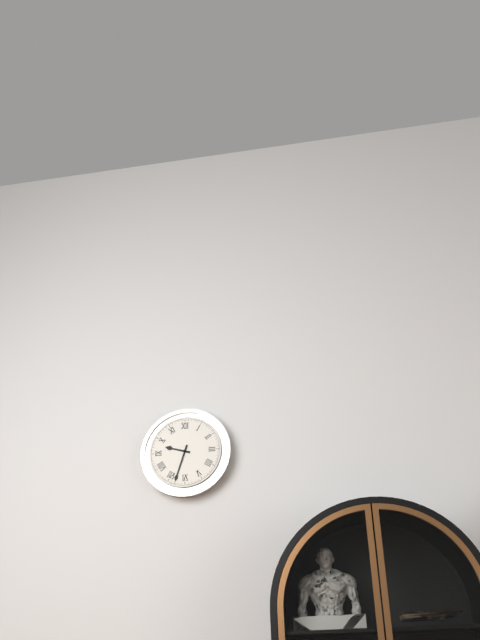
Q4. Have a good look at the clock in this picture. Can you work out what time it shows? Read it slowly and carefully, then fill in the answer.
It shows 9:33
